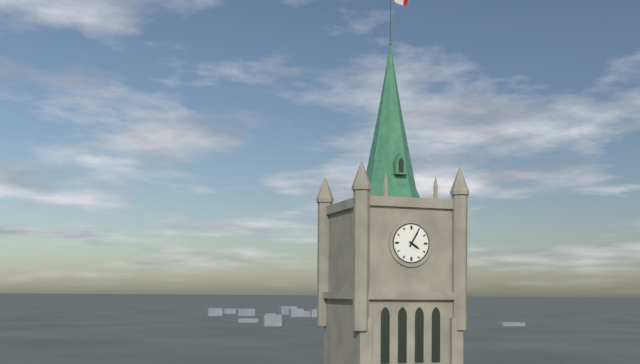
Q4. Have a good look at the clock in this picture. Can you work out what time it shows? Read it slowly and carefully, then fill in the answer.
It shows 4:05
